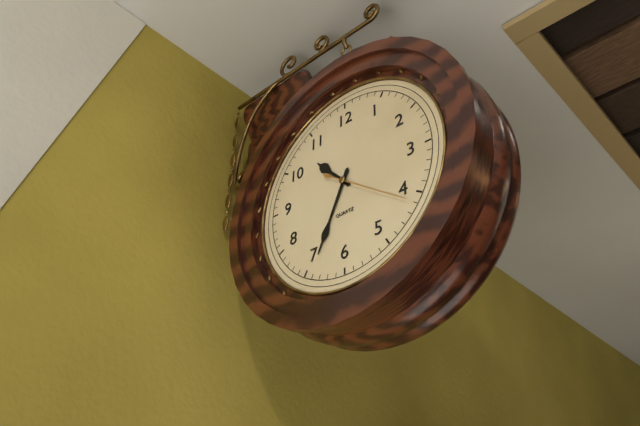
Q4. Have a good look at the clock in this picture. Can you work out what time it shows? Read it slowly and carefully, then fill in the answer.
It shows 10:34:21
